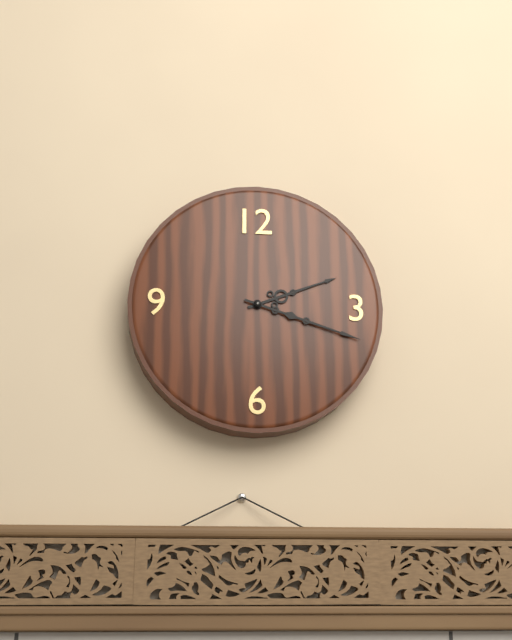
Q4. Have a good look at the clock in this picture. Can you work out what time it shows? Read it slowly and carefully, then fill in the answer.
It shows 2:18
